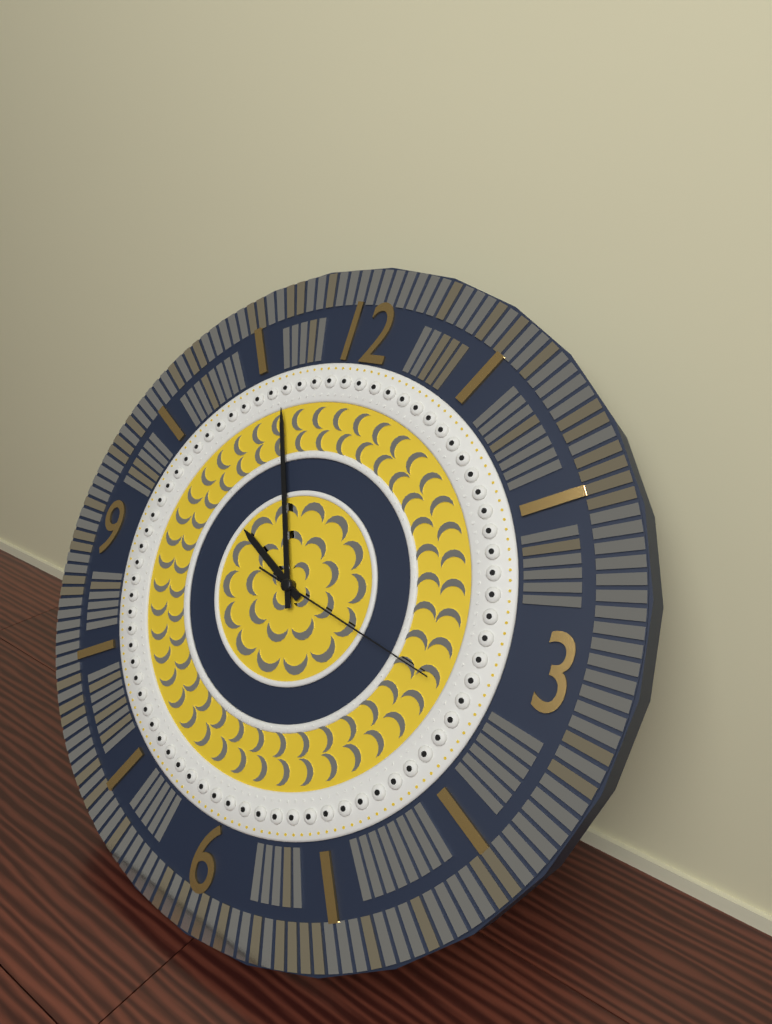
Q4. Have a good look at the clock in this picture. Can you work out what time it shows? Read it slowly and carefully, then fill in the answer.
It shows 9:56:17
